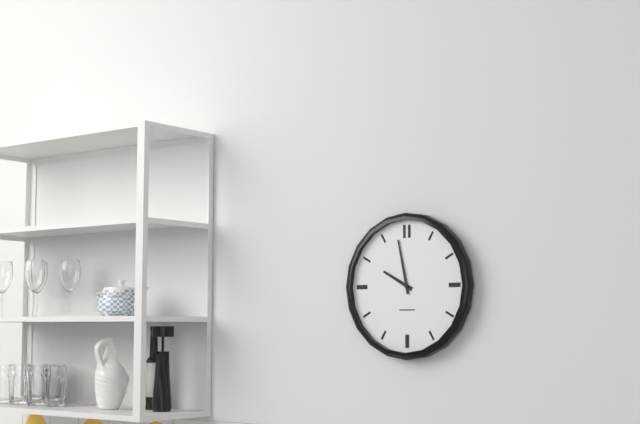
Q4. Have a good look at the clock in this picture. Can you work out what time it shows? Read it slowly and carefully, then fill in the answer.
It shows 9:58
